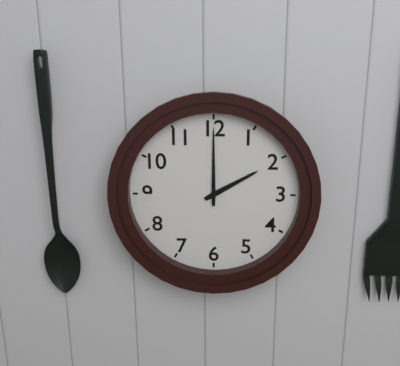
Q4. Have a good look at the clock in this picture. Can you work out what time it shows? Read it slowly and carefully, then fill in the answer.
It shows 2:00
